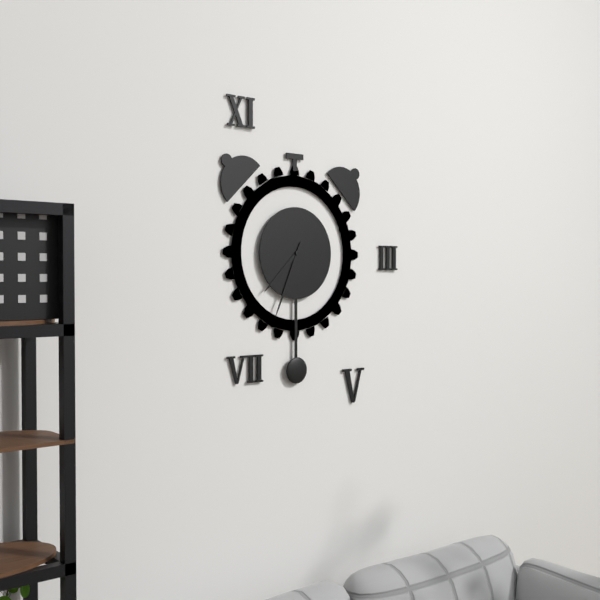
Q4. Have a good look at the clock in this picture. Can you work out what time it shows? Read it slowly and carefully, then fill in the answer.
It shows 7:34
